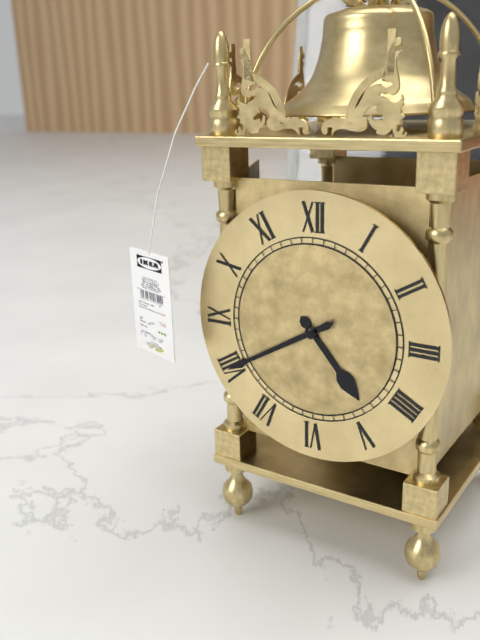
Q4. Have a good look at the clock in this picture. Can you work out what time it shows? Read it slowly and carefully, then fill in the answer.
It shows 4:40
